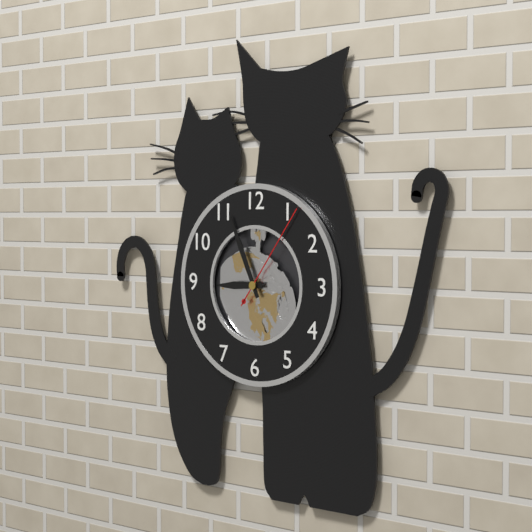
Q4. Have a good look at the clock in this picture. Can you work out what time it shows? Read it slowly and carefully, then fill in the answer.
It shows 8:56:06
